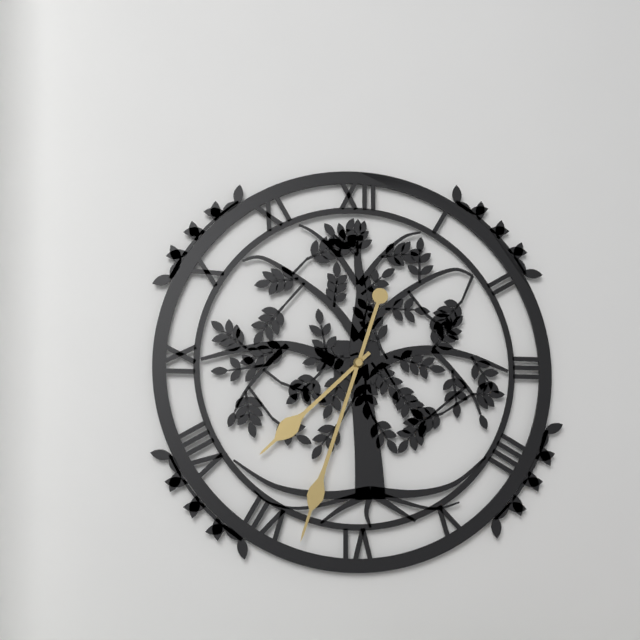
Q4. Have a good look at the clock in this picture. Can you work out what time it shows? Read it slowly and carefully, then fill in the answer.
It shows 7:33
